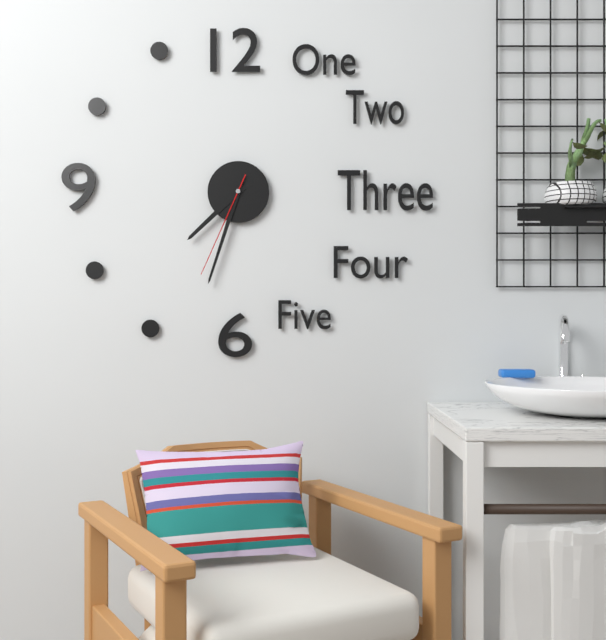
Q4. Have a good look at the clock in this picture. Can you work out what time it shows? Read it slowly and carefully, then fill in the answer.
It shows 7:33:34
